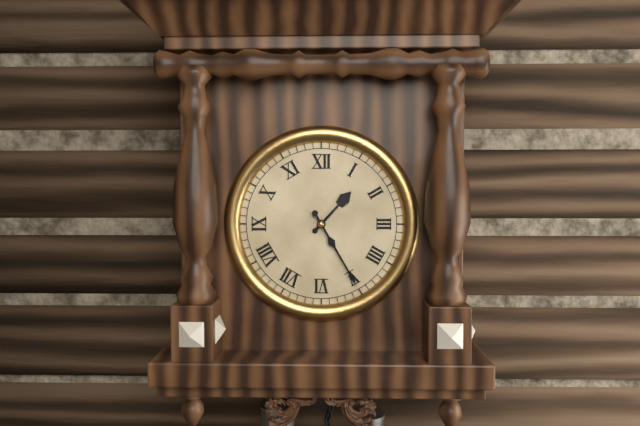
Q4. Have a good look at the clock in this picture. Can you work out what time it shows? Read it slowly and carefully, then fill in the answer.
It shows 1:25
